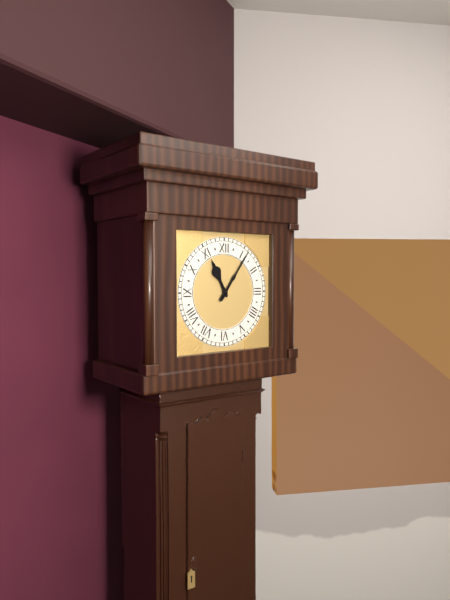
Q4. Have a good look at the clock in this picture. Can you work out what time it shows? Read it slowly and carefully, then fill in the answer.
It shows 11:06
